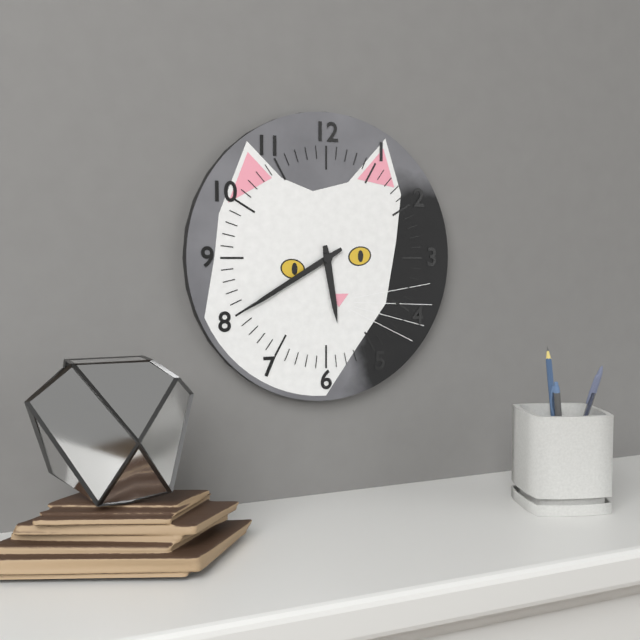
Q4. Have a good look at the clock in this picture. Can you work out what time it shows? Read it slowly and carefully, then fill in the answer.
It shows 5:40
